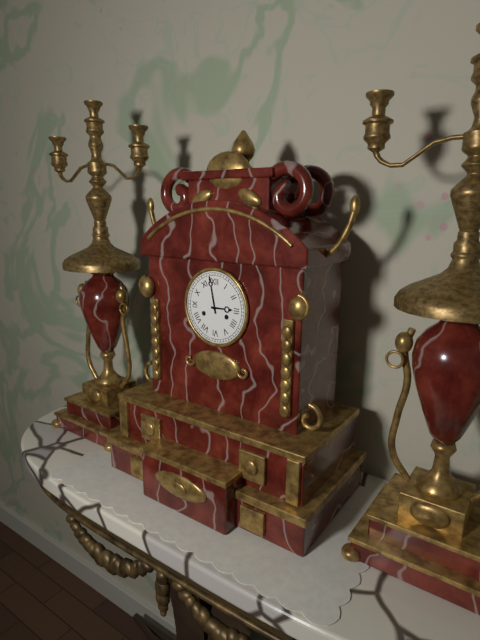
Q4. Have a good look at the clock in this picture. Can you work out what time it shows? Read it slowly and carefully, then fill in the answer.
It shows 2:58
